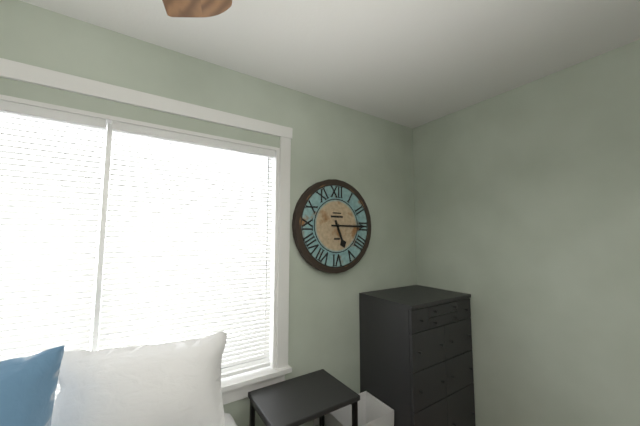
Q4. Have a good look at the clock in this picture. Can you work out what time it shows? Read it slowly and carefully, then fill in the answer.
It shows 5:15
